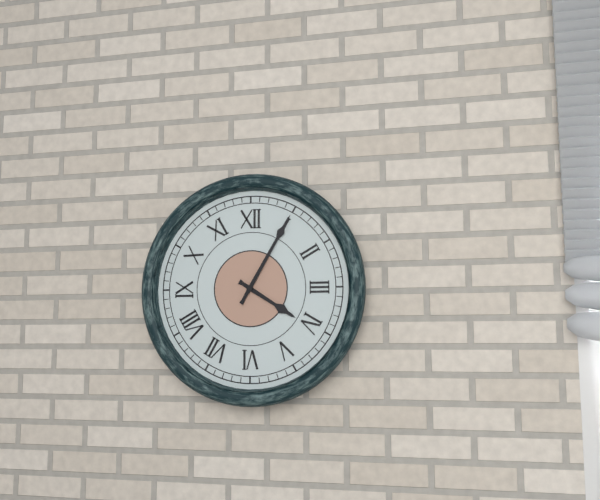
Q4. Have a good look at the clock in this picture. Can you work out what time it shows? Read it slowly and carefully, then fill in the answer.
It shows 4:05
